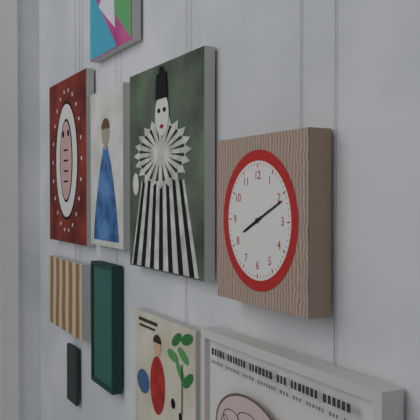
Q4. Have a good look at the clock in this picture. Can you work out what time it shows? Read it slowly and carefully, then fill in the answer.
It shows 8:11
